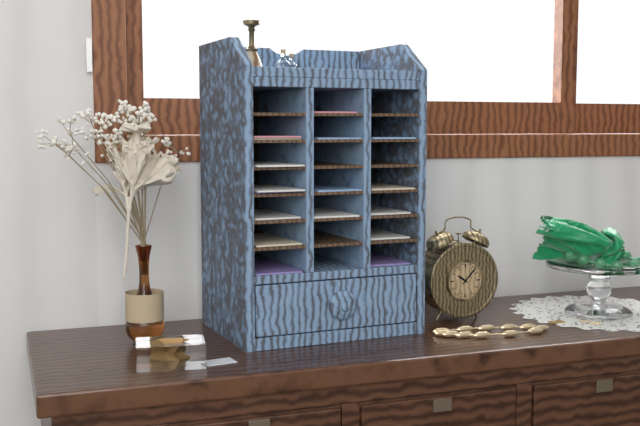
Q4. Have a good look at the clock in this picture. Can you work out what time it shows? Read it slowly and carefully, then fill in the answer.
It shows 10:07
